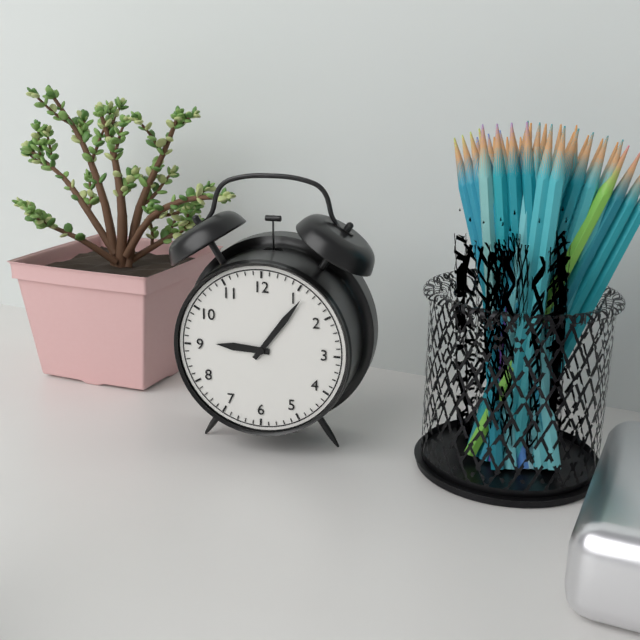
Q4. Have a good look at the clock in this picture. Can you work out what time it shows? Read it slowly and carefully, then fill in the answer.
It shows 9:06
